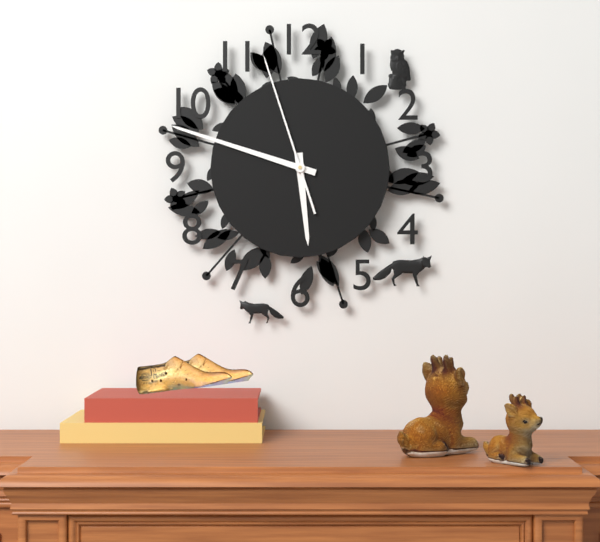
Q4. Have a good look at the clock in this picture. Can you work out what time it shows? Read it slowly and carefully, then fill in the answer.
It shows 5:48:57
